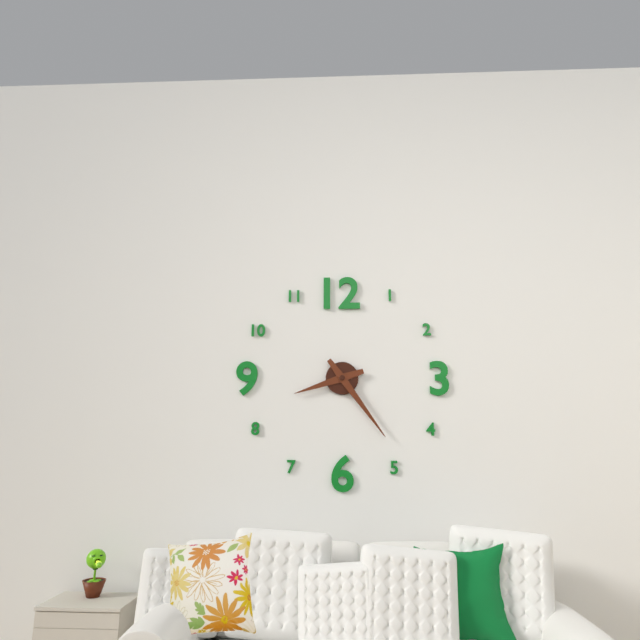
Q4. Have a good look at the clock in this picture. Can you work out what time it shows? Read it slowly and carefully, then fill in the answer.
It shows 8:24
